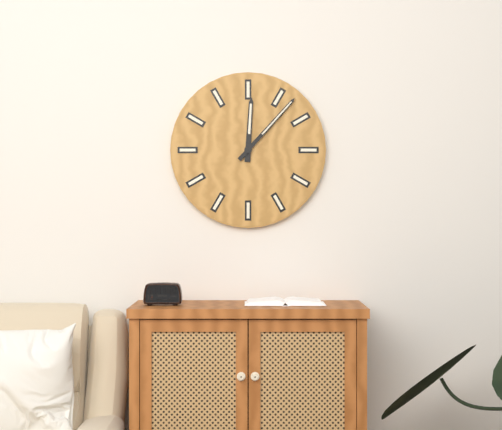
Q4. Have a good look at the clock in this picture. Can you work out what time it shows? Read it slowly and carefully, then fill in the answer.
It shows 12:07
